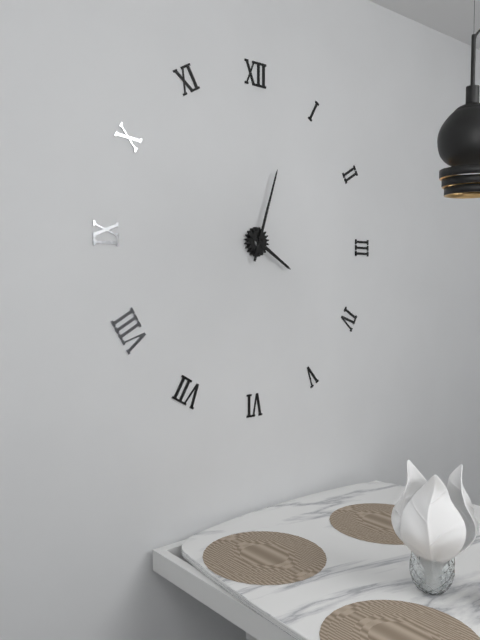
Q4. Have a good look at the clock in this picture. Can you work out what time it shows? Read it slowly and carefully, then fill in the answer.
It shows 4:03
